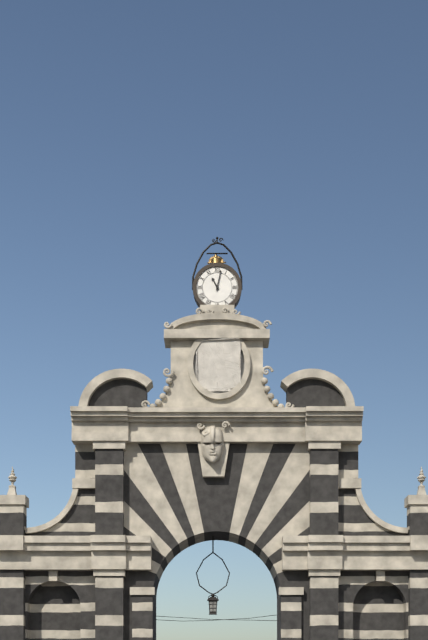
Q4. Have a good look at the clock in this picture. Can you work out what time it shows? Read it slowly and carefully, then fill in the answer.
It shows 11:02
